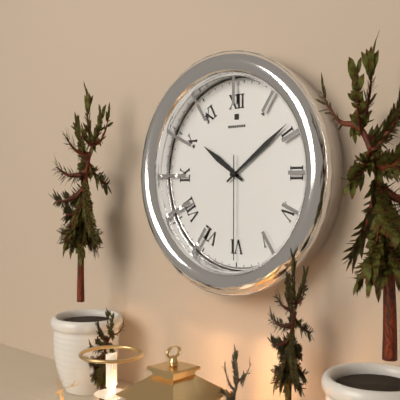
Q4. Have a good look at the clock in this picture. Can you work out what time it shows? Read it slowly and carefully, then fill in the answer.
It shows 10:09:30
